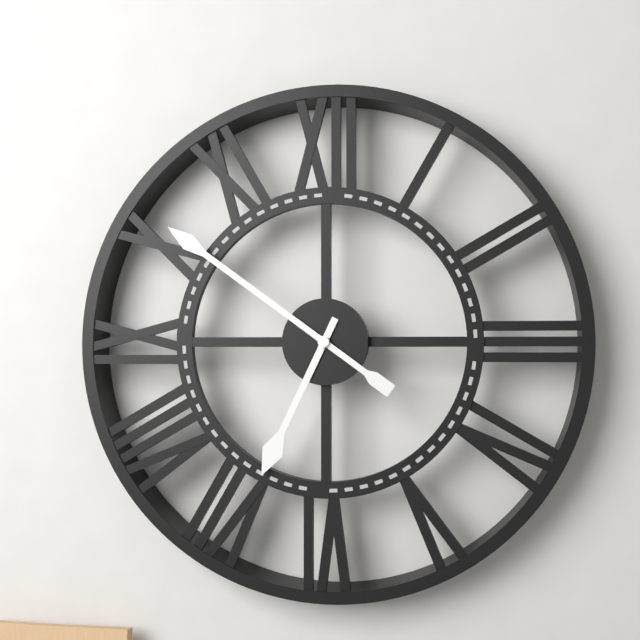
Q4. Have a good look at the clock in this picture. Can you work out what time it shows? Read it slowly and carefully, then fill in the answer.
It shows 6:51
